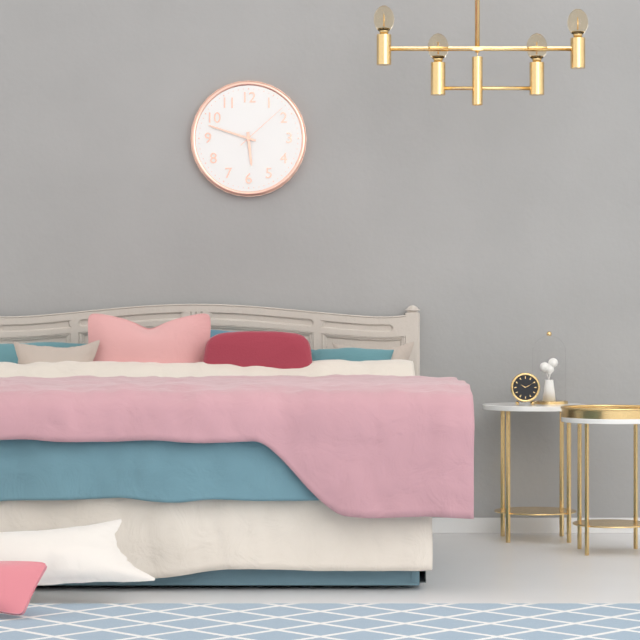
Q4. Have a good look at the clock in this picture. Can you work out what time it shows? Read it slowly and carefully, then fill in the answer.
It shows 5:48:08
